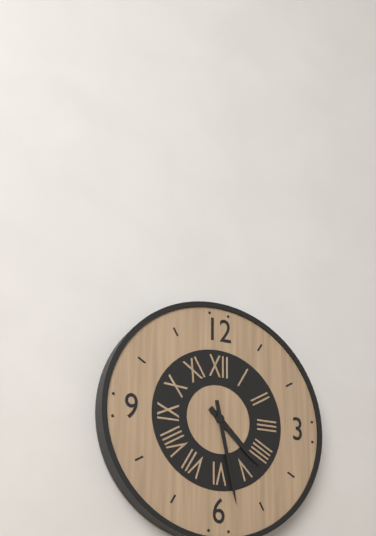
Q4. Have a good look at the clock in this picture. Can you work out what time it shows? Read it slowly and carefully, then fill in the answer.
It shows 4:28
